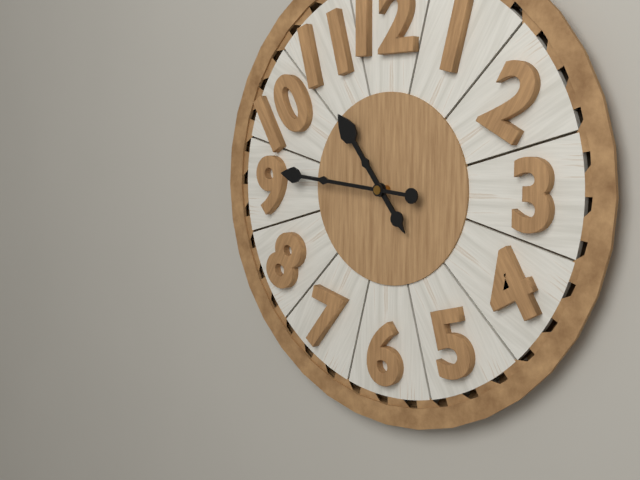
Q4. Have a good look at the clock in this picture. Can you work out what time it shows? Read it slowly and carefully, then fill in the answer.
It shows 10:46
